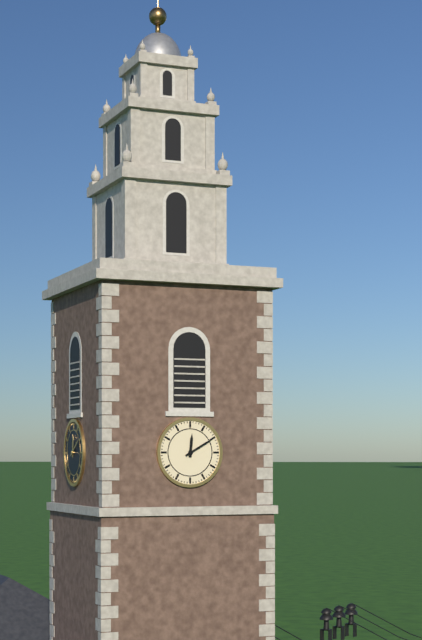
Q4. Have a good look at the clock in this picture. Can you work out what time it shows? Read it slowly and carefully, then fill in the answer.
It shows 12:10
